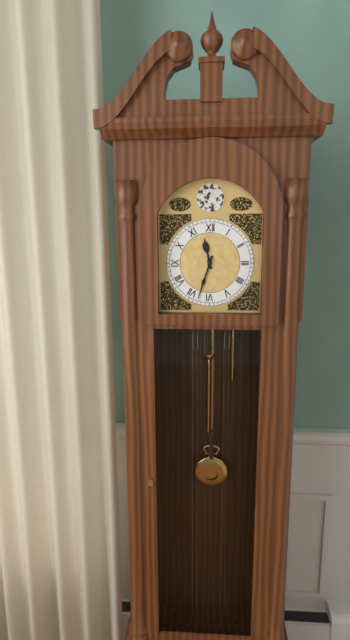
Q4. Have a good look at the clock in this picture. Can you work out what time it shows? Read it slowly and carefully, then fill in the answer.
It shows 11:33
